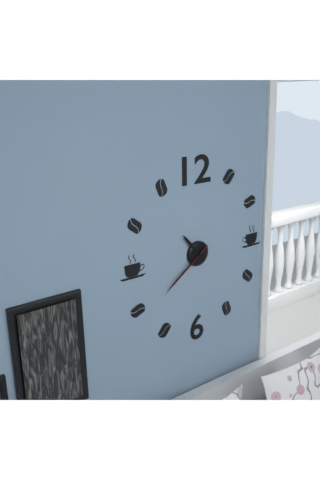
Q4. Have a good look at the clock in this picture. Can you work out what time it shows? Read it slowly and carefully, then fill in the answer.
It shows 10:39:39
